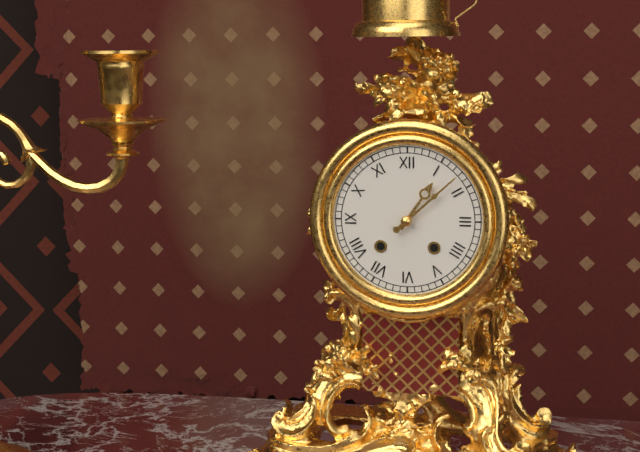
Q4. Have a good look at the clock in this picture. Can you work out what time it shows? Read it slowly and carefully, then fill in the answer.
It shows 1:08
